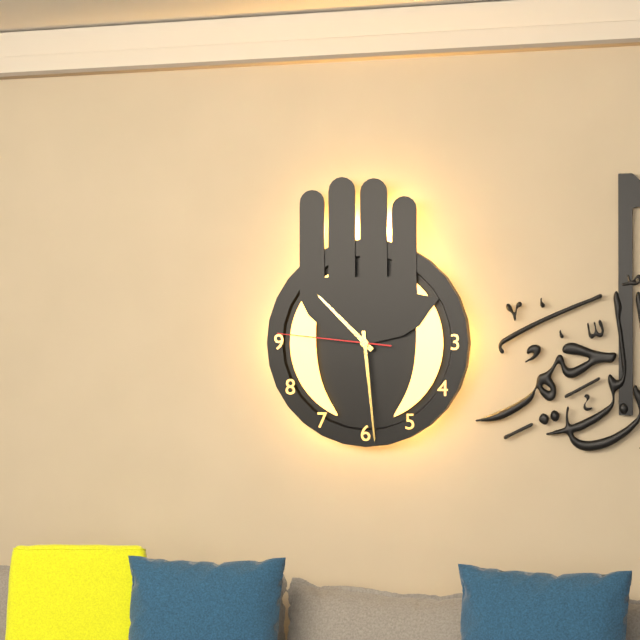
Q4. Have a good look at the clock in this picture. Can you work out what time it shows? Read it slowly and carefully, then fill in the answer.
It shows 10:29:46
